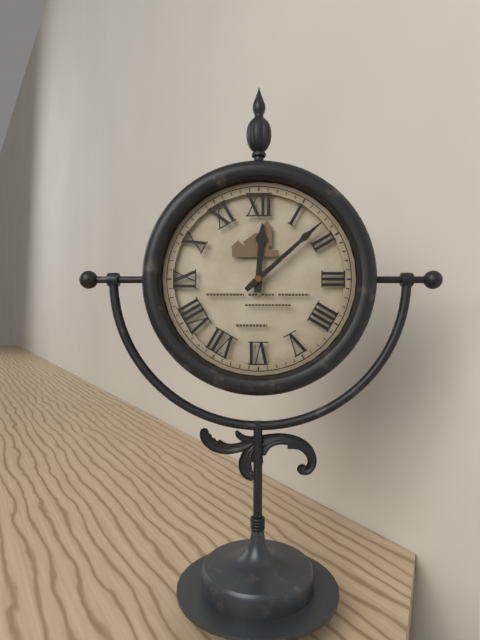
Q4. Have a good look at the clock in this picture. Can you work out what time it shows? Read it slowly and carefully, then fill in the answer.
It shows 12:08
